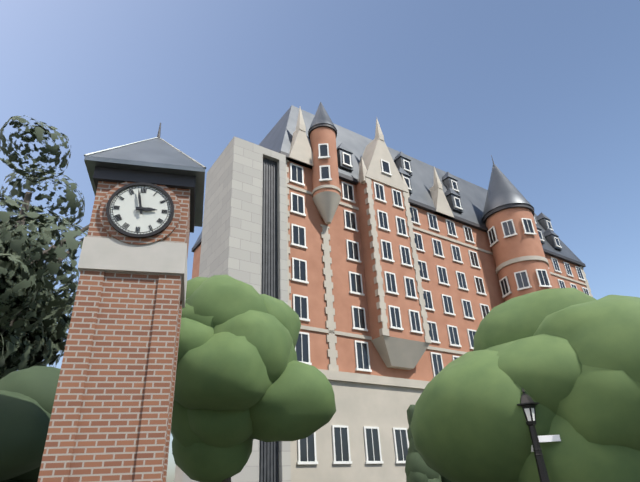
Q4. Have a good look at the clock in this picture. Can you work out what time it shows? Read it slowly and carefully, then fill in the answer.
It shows 2:58
